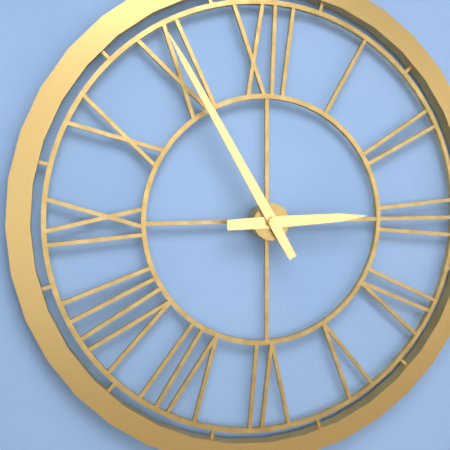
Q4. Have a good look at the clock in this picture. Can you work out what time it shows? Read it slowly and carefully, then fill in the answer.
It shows 2:55
